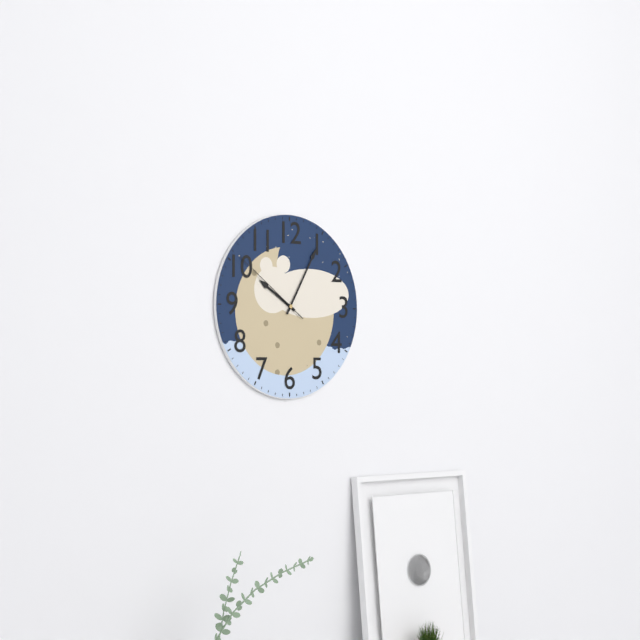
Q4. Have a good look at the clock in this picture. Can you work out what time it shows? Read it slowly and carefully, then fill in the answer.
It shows 10:05:51
